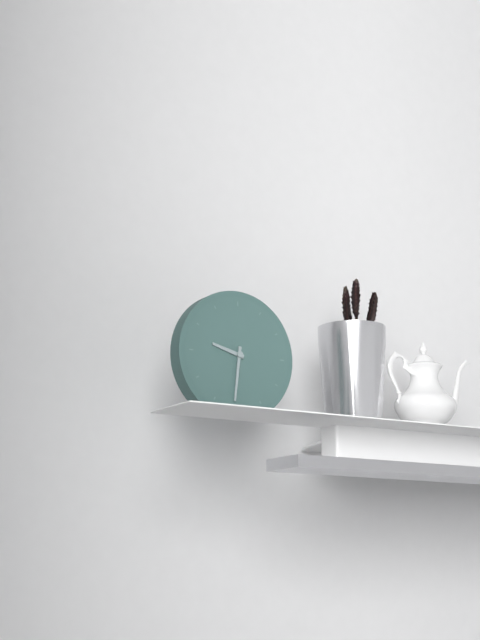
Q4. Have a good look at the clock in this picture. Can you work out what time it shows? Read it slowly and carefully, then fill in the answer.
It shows 9:31
